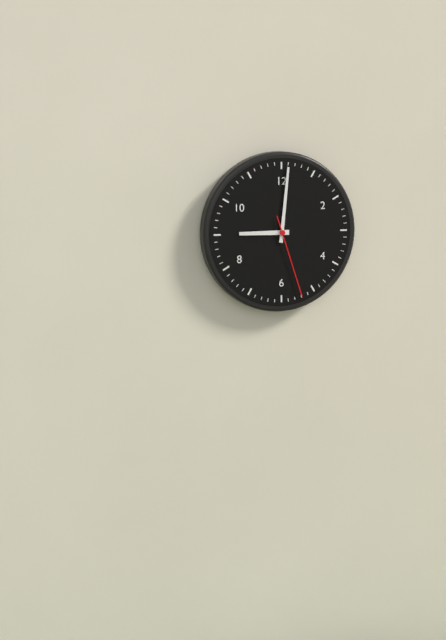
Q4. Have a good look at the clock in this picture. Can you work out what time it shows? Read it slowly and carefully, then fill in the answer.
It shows 9:01:27
